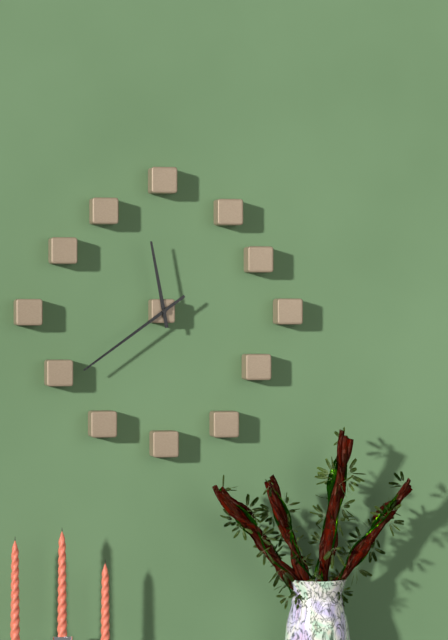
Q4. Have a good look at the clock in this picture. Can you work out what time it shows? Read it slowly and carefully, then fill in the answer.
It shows 11:39
